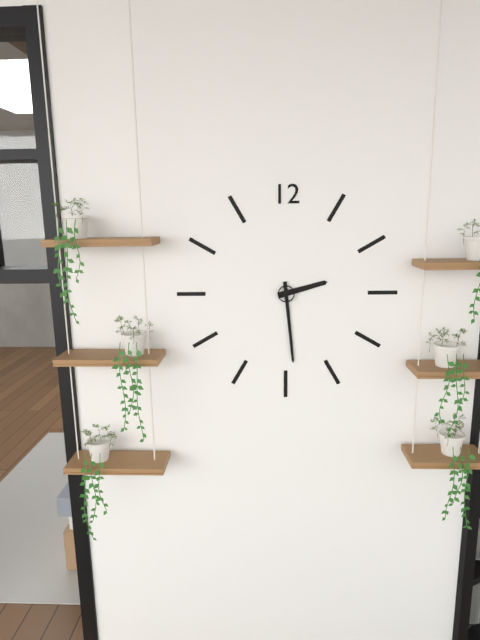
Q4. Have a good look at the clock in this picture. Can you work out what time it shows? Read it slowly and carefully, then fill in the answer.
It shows 2:29
